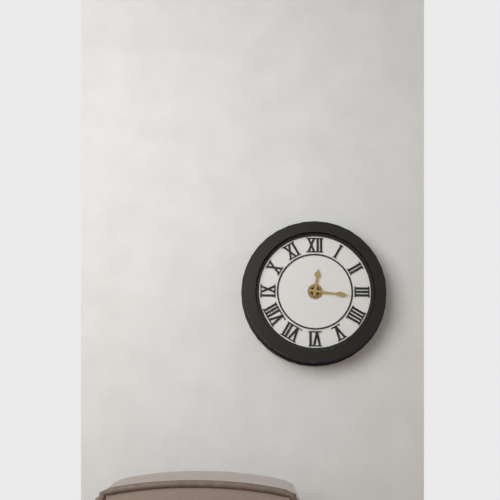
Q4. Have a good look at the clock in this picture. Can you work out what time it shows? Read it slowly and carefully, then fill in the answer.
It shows 12:16
